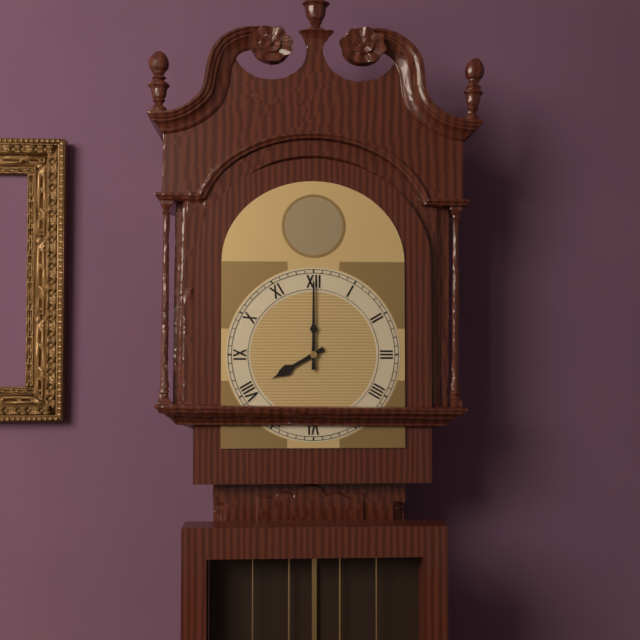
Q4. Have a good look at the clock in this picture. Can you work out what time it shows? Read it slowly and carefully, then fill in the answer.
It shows 8:00
